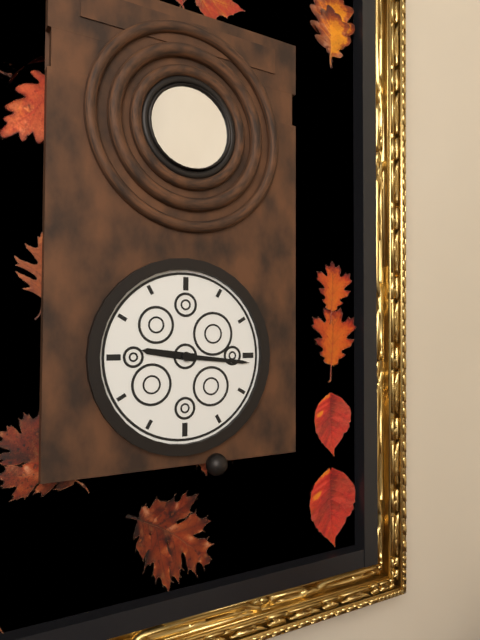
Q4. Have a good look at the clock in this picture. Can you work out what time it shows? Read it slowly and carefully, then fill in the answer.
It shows 9:16
